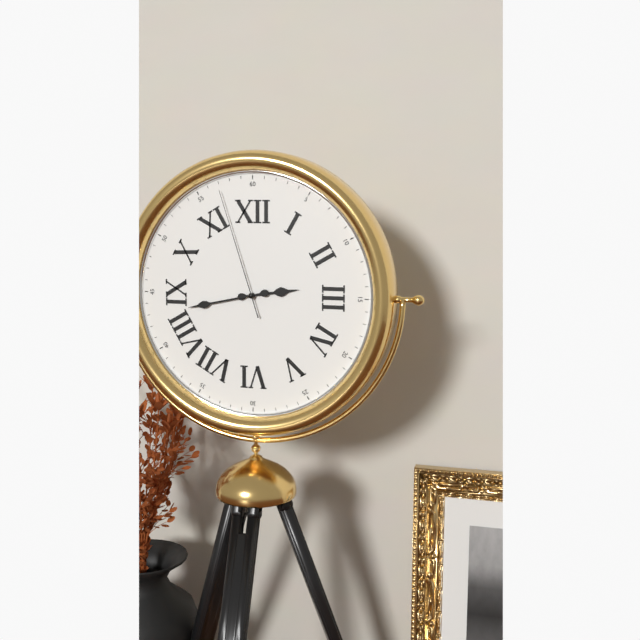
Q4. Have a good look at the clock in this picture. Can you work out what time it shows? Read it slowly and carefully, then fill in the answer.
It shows 2:43:57
